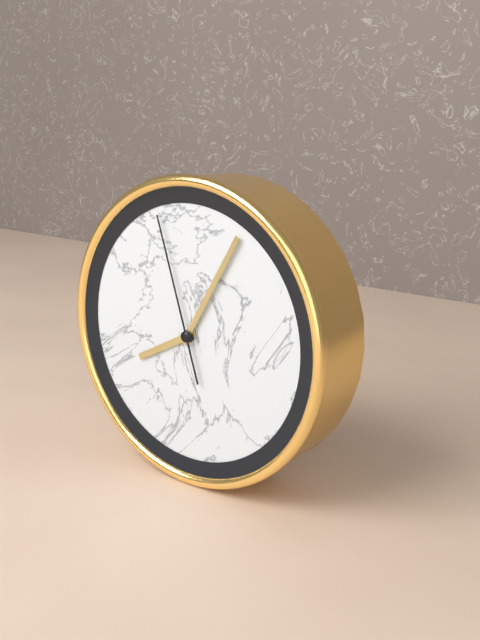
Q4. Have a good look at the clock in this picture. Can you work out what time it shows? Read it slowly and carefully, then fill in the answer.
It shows 8:05:57
